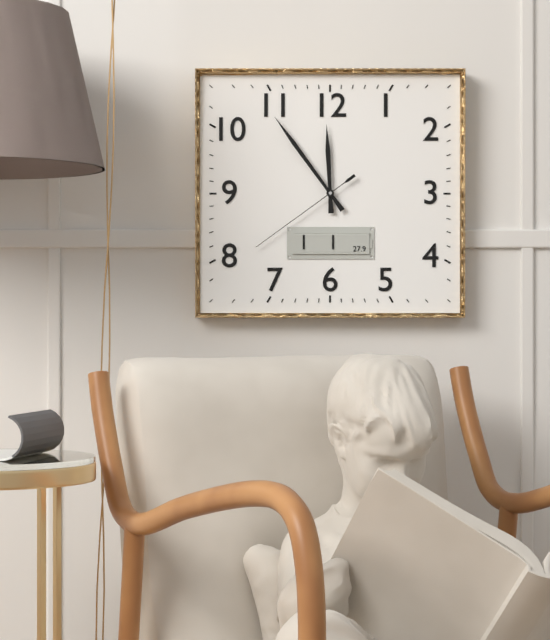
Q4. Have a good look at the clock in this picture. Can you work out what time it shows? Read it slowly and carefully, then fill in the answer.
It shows 11:54:39
